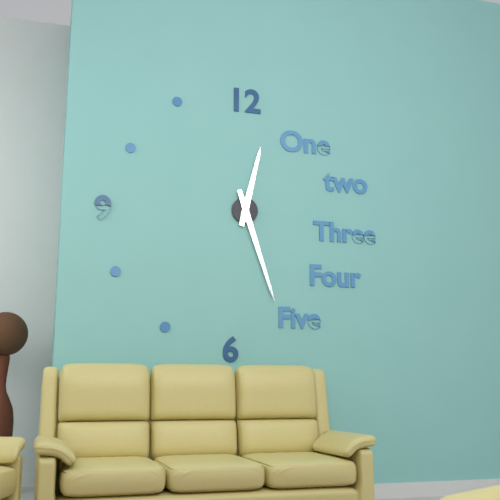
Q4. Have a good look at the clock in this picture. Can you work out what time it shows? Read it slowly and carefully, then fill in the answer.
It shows 12:27
